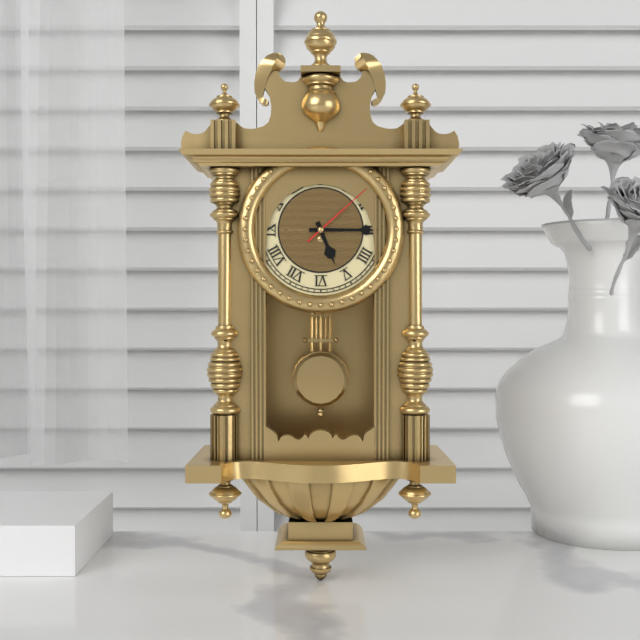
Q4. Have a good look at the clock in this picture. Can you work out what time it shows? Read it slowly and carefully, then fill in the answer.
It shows 5:15:08
